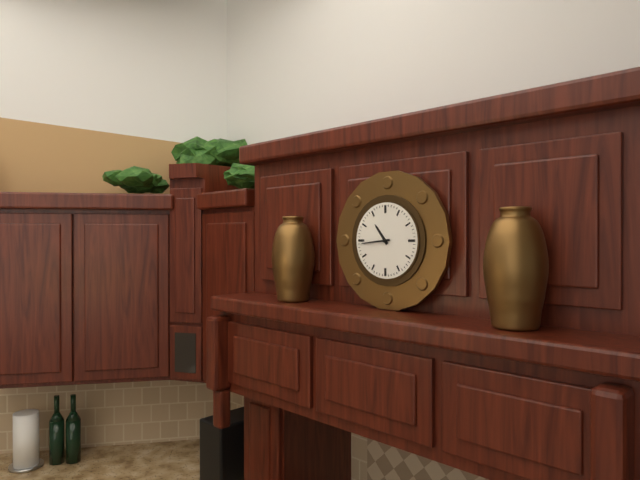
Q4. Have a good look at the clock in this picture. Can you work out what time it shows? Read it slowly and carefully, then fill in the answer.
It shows 10:44
